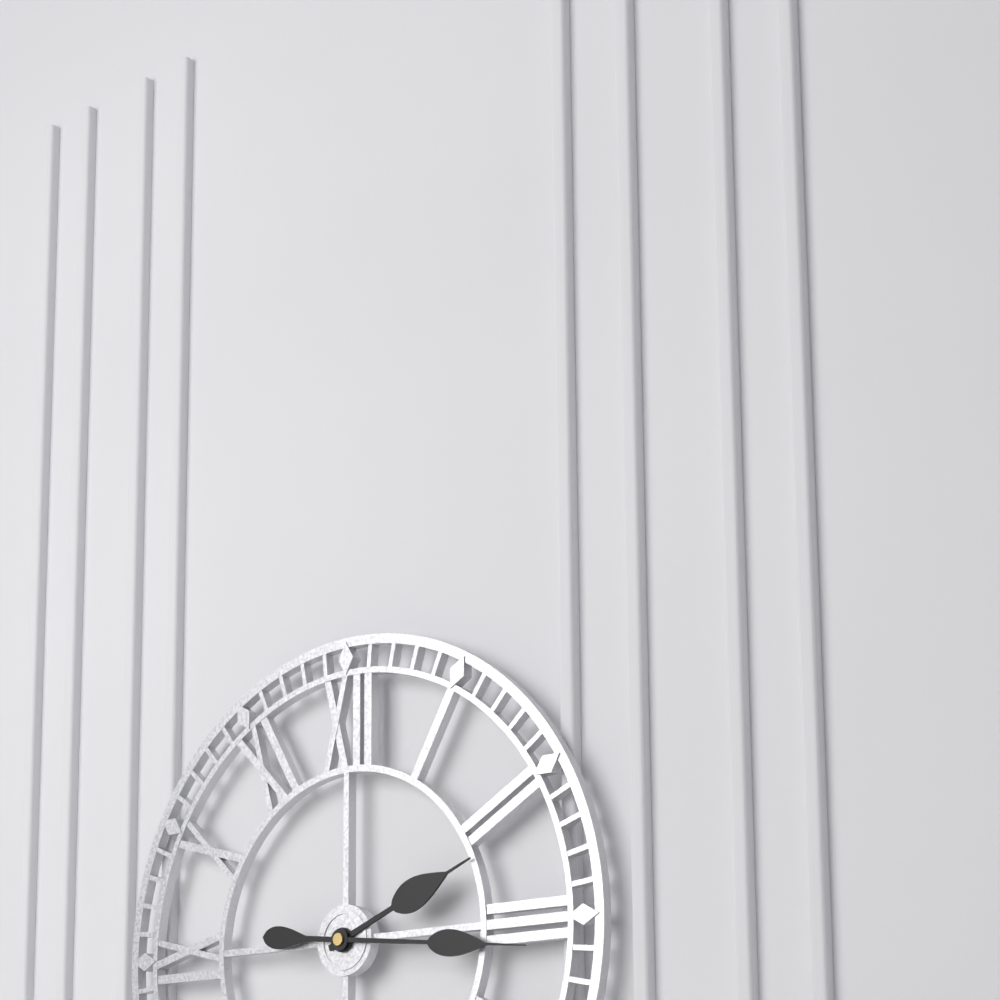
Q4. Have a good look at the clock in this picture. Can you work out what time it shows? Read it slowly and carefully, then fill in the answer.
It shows 2:16
